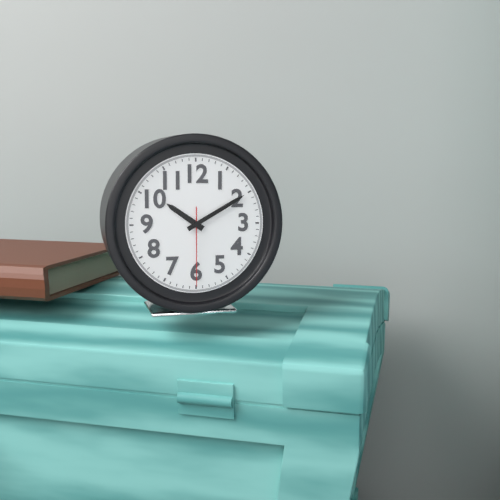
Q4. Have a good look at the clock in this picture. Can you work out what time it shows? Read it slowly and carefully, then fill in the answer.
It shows 10:10:30
